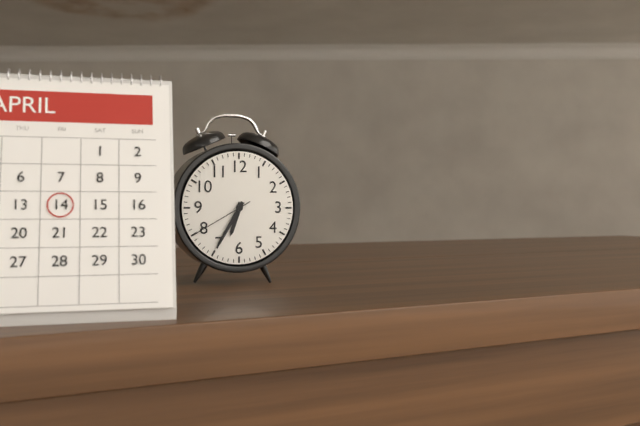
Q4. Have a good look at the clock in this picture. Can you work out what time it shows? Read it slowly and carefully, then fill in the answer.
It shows 6:35:40
